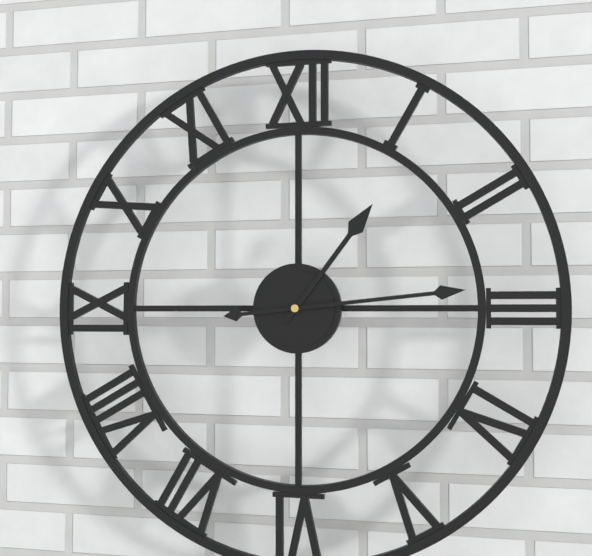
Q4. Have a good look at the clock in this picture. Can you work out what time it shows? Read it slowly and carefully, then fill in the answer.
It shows 1:14
